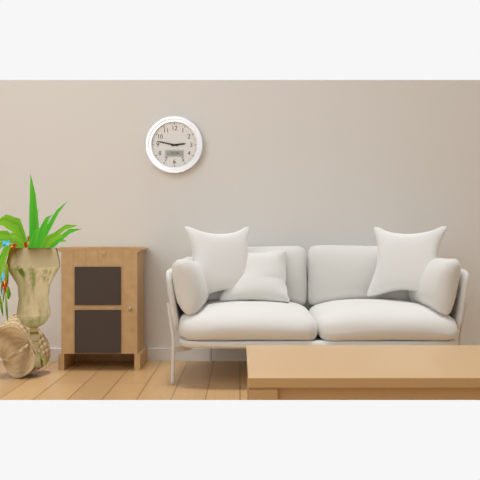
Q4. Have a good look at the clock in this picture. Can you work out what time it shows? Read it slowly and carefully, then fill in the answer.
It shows 2:47
